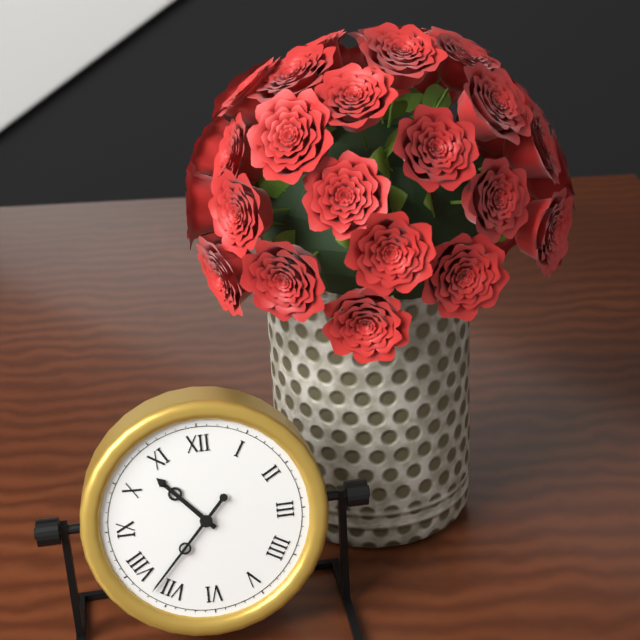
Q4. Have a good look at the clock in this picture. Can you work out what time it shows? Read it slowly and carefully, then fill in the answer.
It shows 10:37
